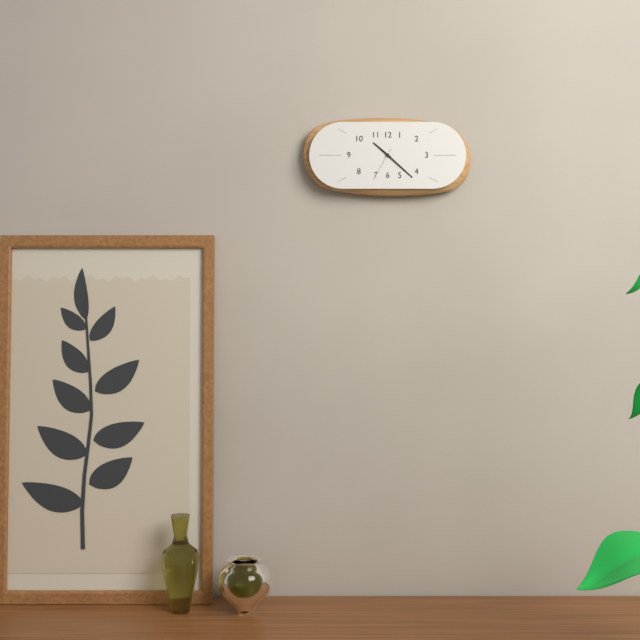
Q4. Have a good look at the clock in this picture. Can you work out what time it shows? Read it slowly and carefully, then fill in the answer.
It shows 10:22
